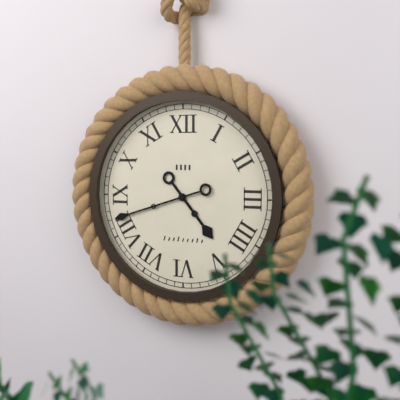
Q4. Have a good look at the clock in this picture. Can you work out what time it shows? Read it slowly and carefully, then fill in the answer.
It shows 4:42
